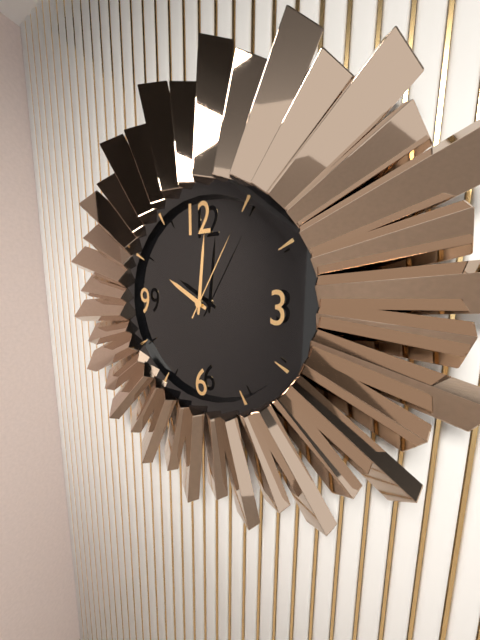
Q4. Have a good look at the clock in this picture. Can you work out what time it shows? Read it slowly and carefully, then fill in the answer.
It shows 10:01:05
